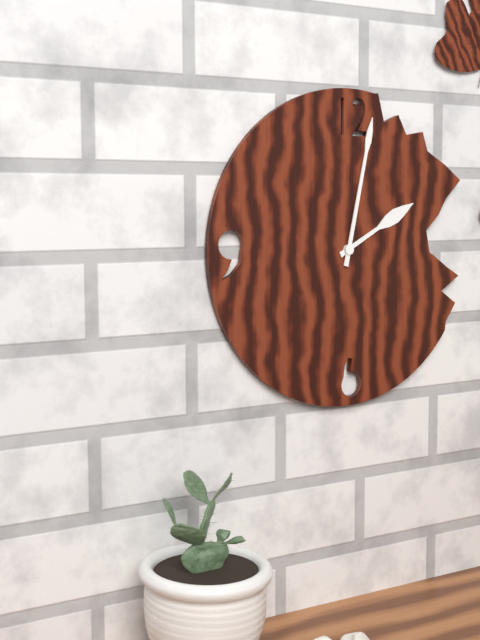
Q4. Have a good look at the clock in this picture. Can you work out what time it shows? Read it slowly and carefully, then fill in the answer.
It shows 2:02
